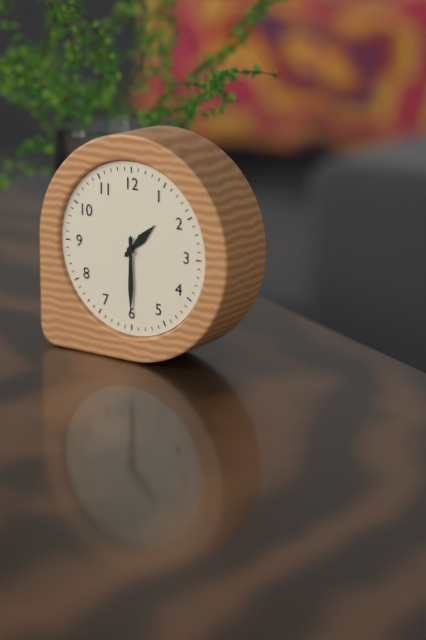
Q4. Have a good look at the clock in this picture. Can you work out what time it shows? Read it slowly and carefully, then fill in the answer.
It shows 1:30
